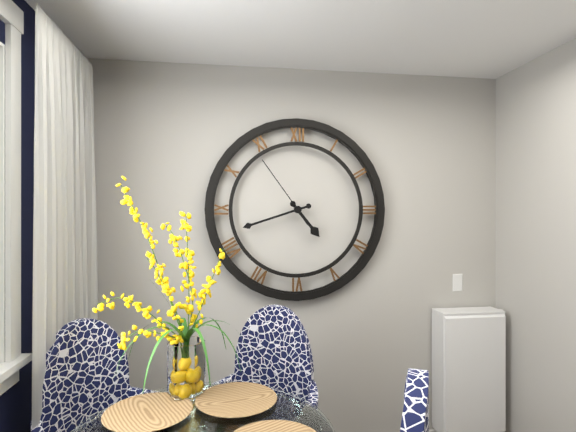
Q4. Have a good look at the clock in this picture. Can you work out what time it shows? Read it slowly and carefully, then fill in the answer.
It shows 4:42:54
